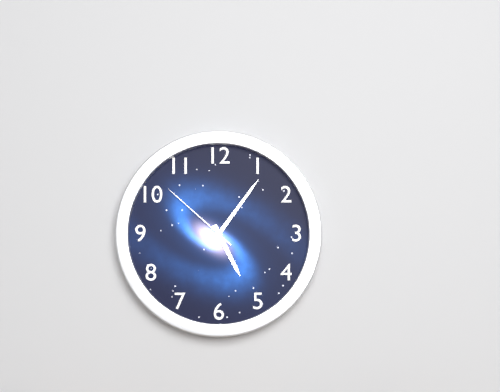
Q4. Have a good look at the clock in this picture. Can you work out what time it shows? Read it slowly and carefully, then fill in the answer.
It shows 5:06:52
